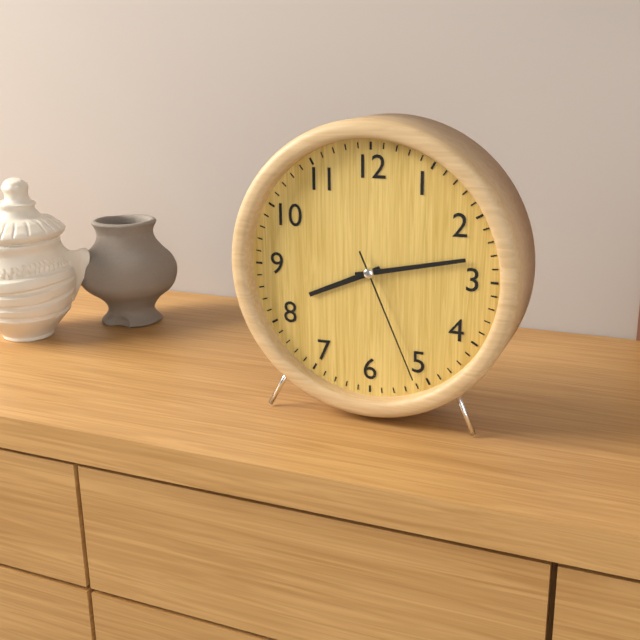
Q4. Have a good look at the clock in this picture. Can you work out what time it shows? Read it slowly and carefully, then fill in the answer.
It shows 8:13:26
